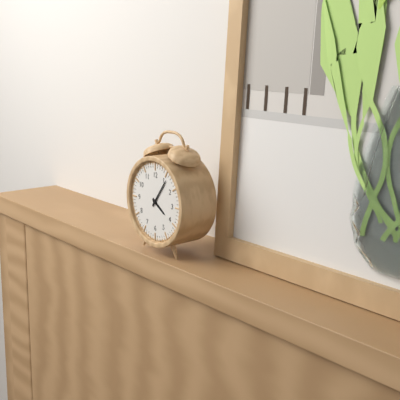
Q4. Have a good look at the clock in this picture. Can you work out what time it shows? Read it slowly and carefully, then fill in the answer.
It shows 4:06
